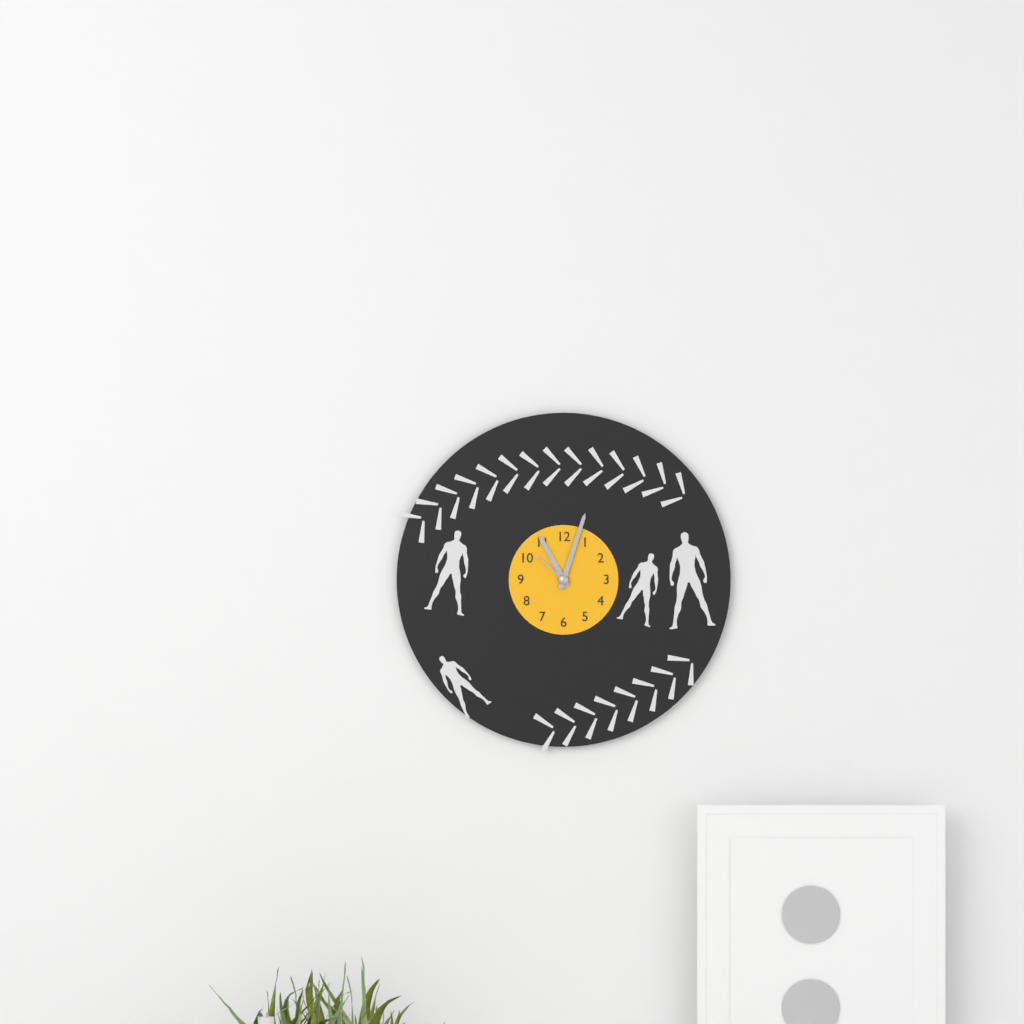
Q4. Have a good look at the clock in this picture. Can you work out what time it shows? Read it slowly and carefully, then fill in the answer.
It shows 11:03
